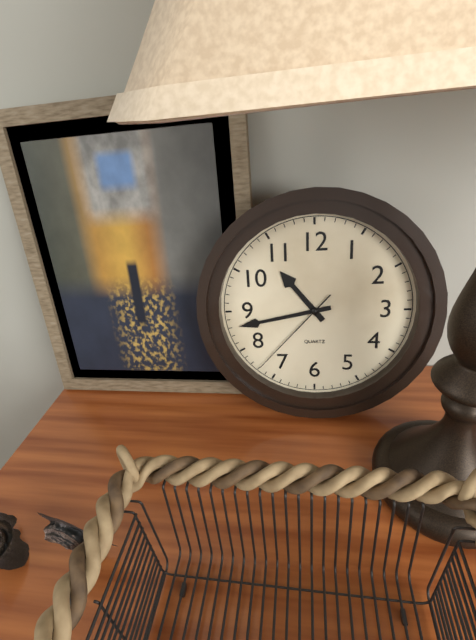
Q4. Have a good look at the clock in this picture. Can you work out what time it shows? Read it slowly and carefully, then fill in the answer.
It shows 10:43:37
